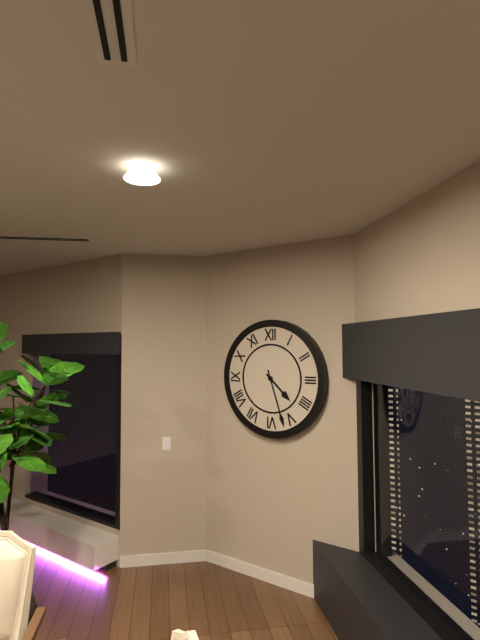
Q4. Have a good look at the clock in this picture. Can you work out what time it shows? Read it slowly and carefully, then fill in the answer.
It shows 4:27
